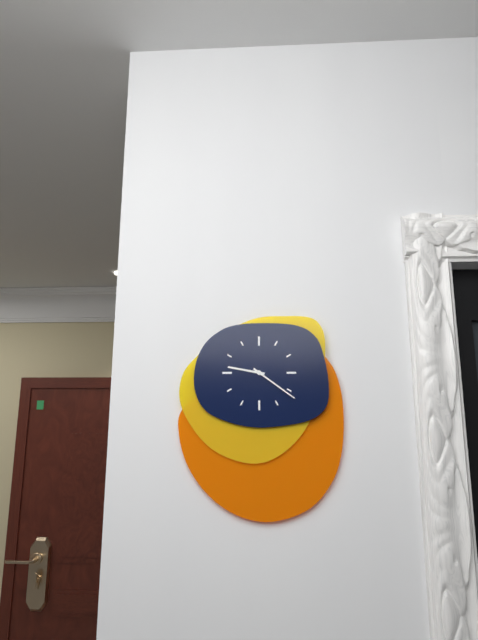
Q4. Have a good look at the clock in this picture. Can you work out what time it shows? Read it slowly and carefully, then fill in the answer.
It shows 9:21
